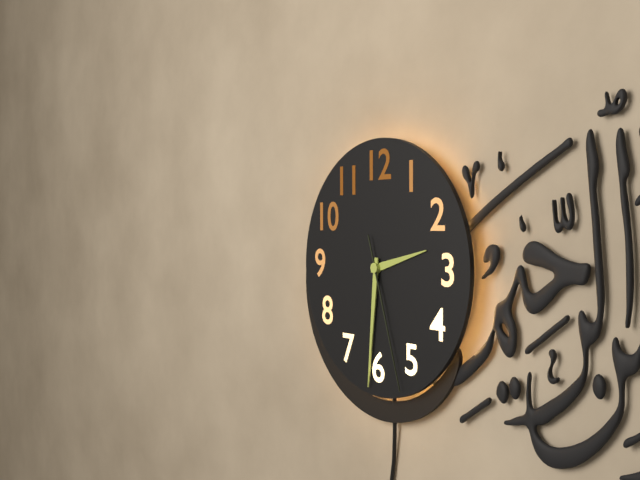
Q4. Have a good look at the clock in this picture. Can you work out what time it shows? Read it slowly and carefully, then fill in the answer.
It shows 2:31:27
